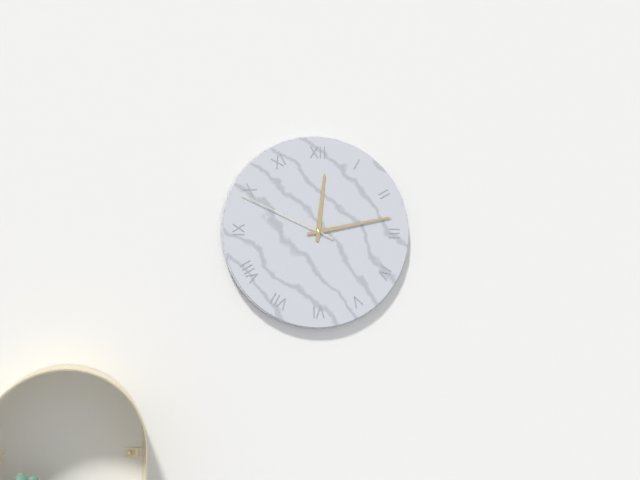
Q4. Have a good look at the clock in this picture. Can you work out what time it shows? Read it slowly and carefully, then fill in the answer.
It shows 12:13:49
